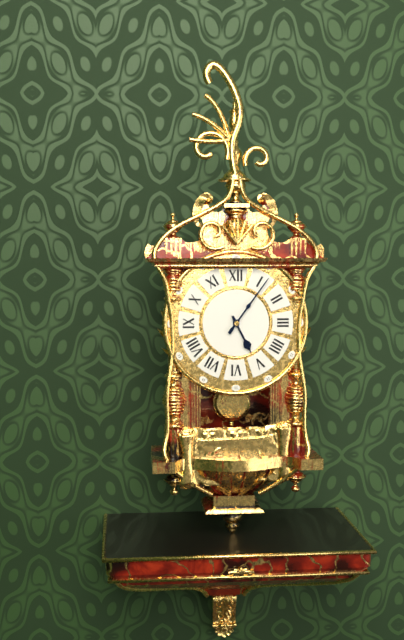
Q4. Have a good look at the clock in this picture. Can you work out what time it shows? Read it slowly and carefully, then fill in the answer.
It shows 5:06
